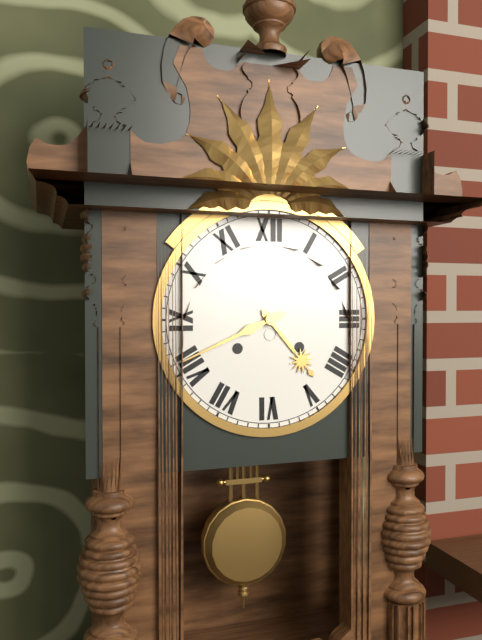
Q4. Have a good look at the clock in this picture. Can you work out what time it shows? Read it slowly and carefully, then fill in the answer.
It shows 4:41
